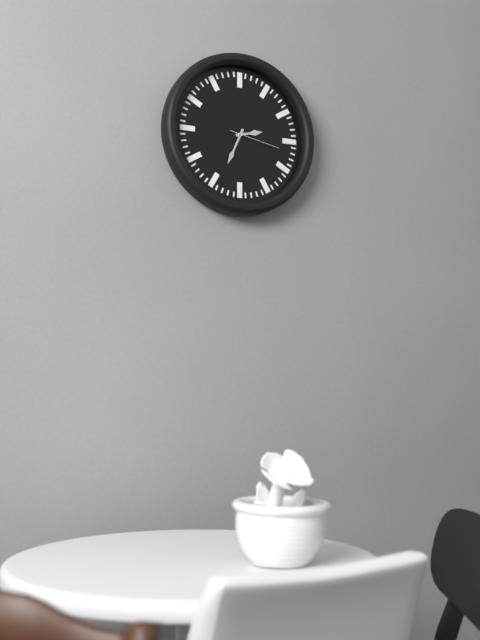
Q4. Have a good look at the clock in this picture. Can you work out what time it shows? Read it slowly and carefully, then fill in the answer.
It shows 2:34:17
